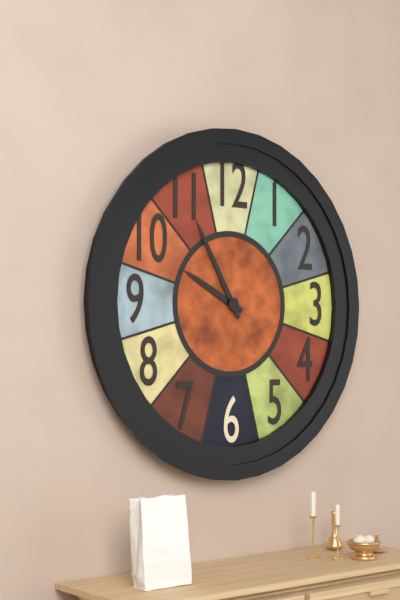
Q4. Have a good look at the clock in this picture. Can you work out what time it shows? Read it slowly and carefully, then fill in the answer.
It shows 9:55
